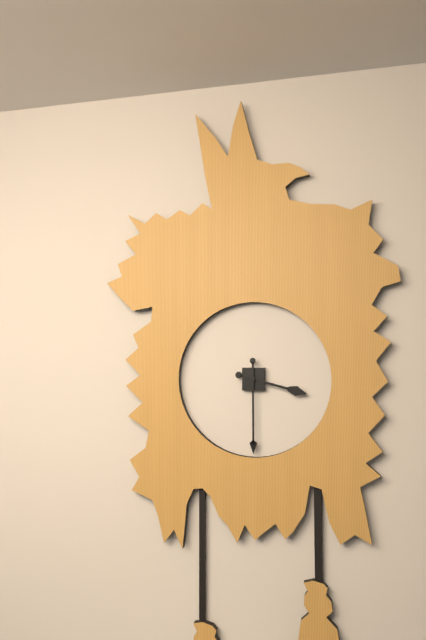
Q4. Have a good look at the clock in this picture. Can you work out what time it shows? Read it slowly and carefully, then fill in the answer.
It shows 3:30
